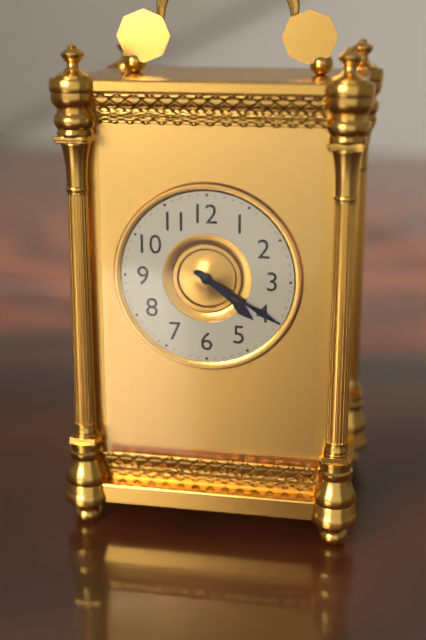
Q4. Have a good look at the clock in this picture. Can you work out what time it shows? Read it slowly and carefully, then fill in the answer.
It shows 4:20
